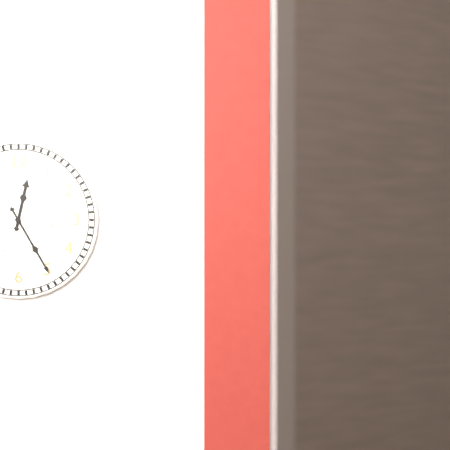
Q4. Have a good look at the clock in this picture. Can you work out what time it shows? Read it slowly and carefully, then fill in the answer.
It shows 12:25
